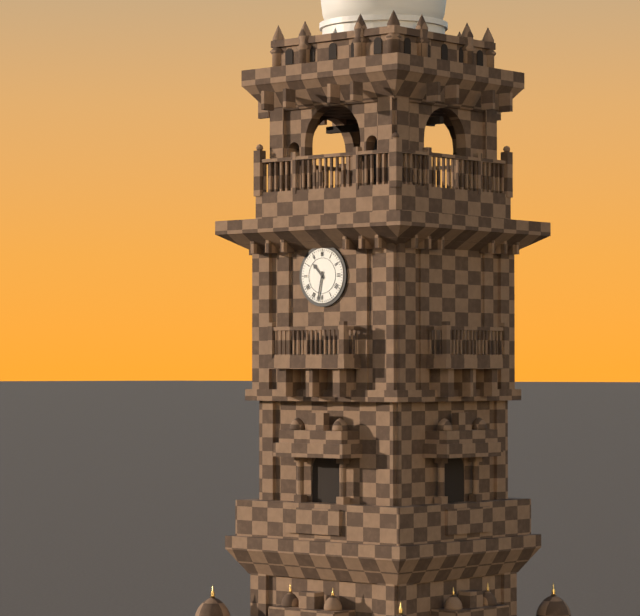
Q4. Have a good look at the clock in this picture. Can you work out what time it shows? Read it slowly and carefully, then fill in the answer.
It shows 10:32
